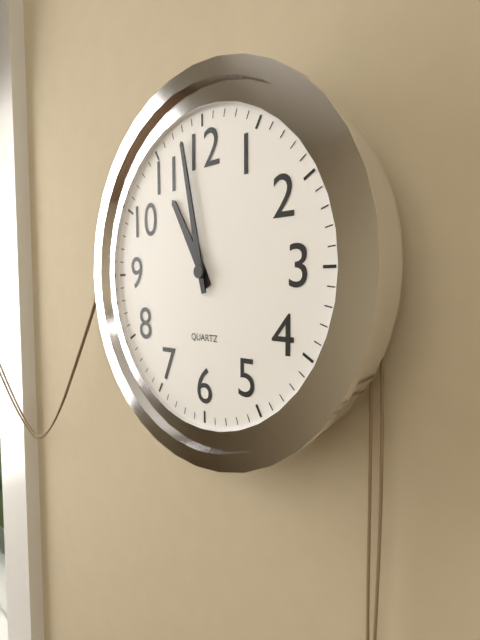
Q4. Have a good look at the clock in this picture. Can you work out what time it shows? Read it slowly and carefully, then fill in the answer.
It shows 10:58
